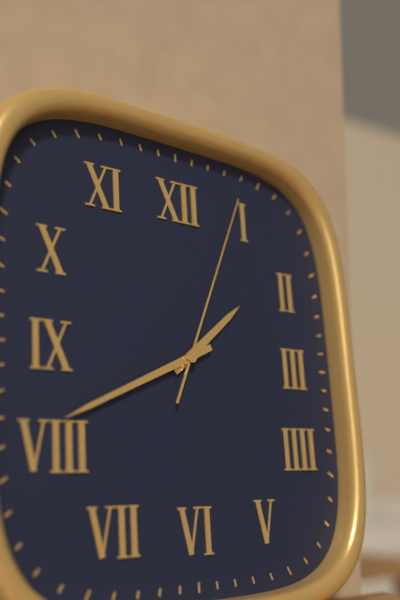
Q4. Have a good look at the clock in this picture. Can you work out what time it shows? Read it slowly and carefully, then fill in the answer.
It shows 1:41:04
